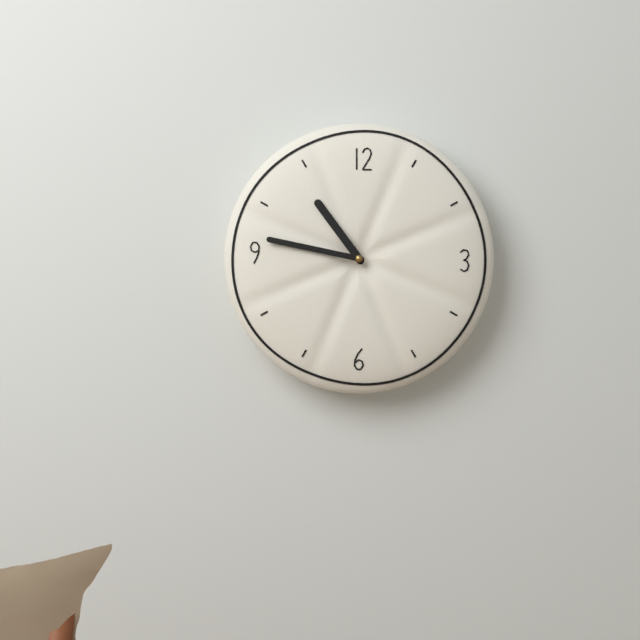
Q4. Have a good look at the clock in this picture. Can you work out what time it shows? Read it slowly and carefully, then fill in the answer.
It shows 10:47
